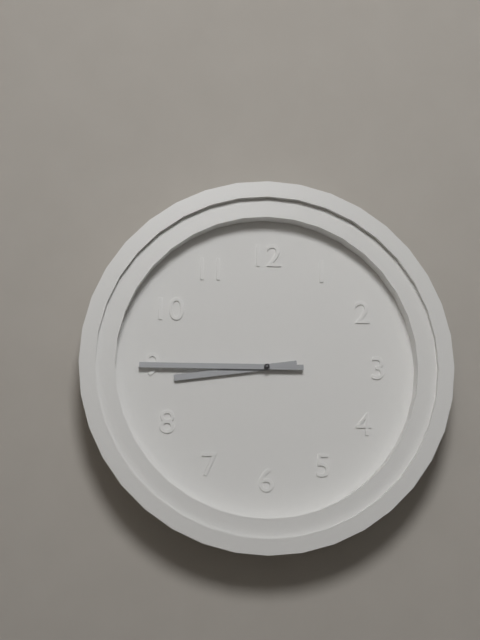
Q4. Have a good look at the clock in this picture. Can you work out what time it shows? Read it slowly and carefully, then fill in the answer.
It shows 8:45
